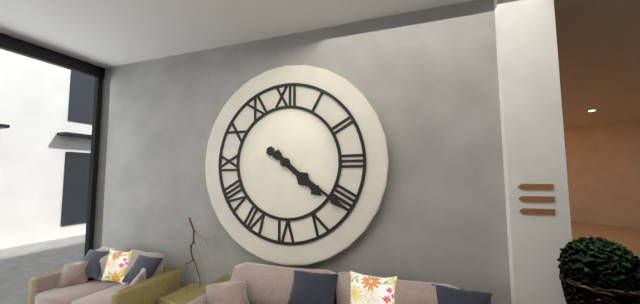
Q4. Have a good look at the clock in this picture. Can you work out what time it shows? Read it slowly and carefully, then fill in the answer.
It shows 4:21
